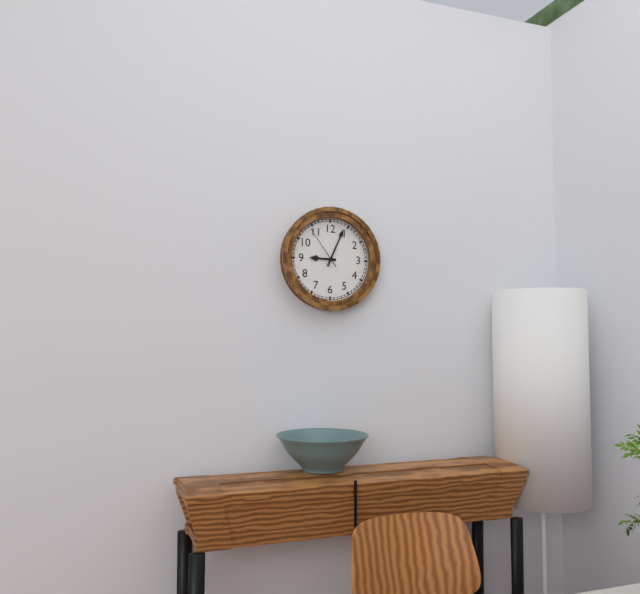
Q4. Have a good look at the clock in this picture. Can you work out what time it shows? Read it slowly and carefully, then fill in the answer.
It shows 9:04
